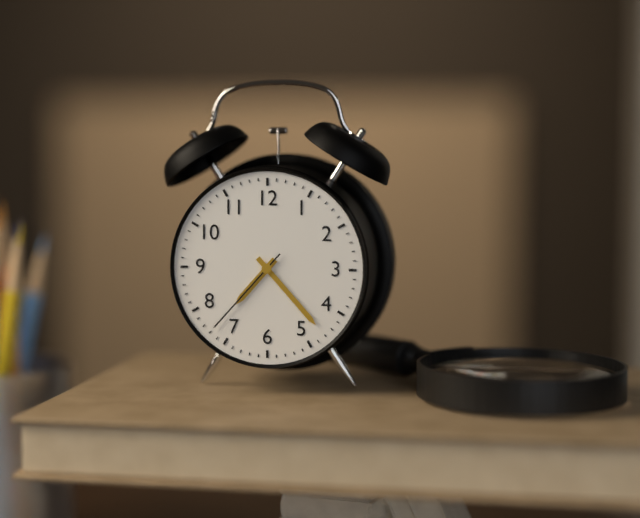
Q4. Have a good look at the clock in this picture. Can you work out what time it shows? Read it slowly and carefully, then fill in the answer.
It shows 7:23:37
